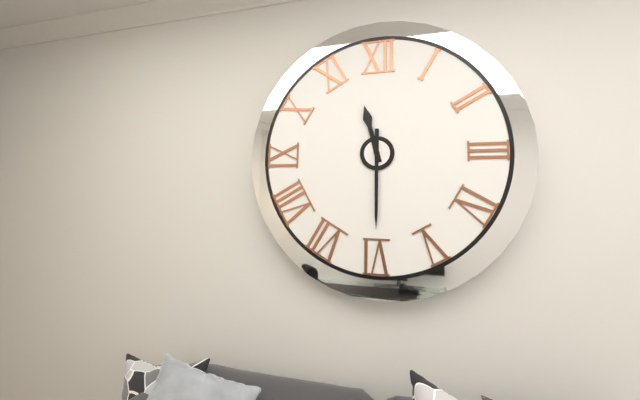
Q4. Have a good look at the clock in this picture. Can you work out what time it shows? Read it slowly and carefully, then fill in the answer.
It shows 11:30
